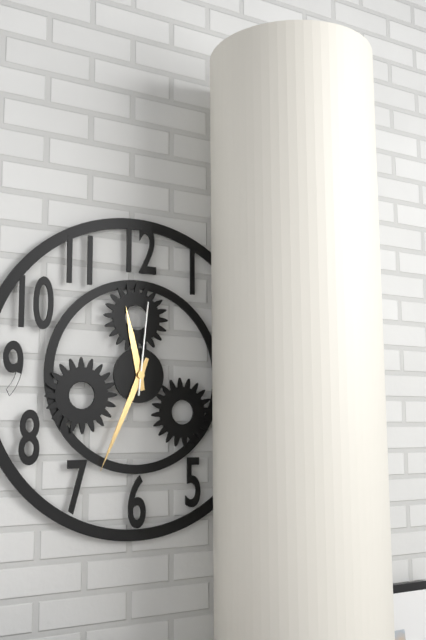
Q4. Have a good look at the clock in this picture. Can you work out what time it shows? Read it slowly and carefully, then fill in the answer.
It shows 11:34:01
